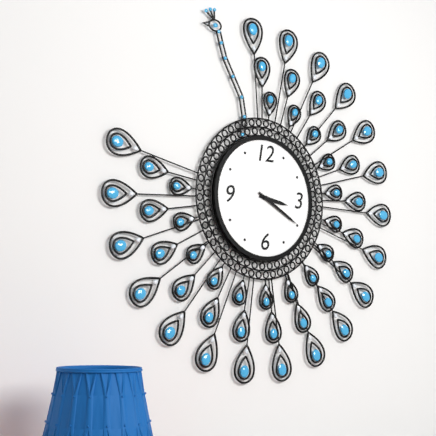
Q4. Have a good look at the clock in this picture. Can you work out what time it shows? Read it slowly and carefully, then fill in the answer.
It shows 3:20
